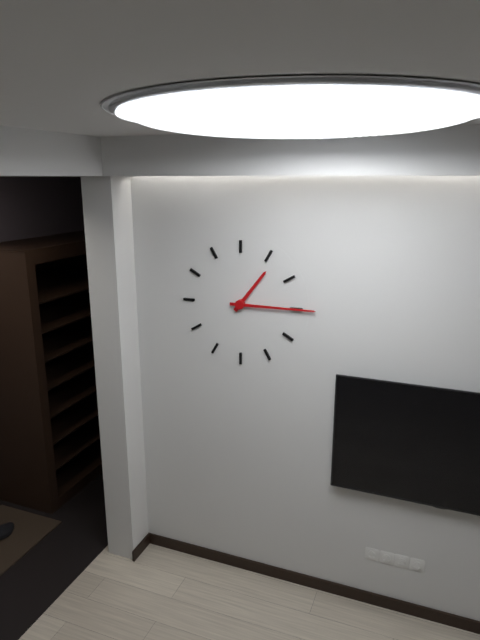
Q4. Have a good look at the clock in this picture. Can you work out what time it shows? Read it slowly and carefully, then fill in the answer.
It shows 1:15
